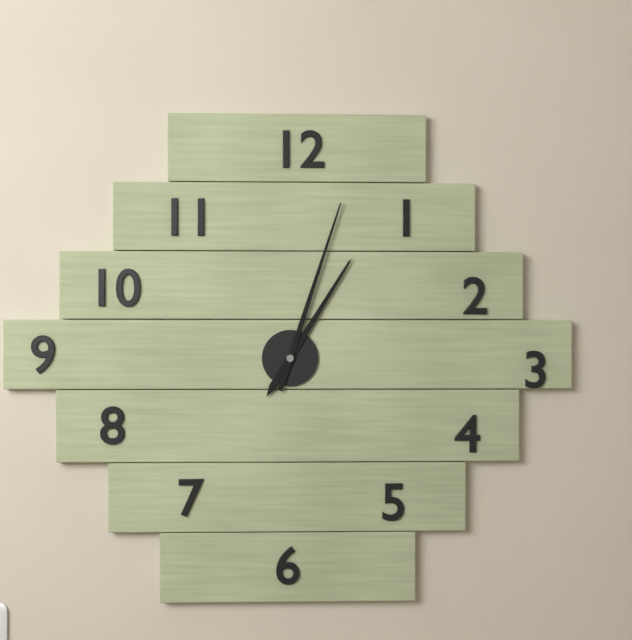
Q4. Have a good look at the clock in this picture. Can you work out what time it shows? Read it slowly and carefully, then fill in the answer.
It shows 1:03
